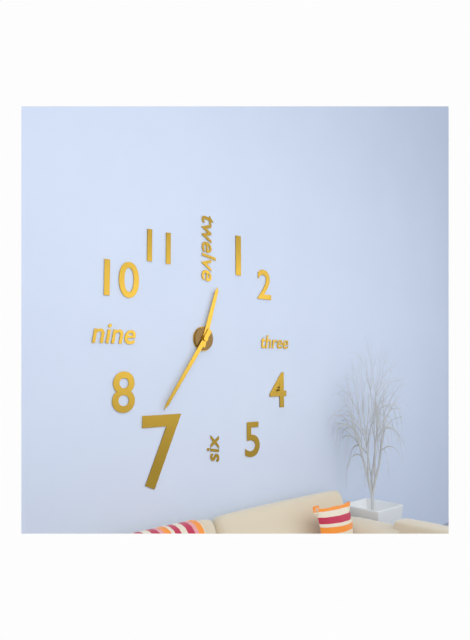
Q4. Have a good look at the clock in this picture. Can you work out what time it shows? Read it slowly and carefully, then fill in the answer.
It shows 12:36
